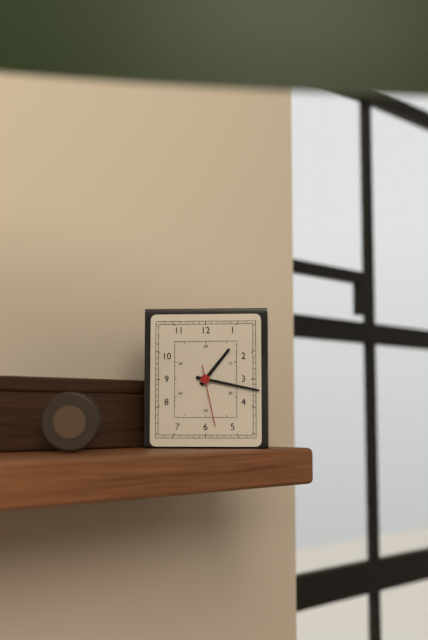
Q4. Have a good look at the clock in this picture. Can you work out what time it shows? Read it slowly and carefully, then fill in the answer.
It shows 1:17:28
